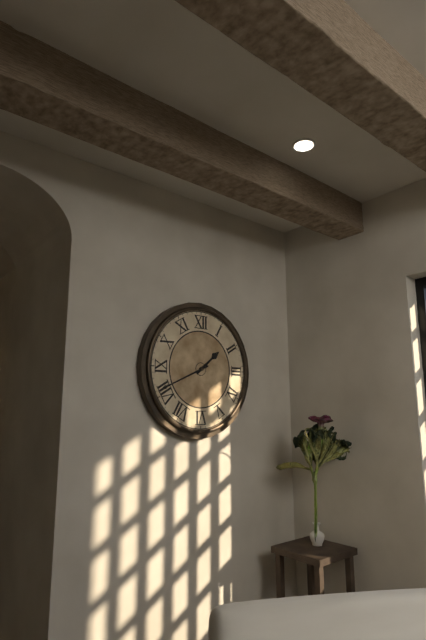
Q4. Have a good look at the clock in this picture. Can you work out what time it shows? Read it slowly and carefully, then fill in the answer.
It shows 1:41
